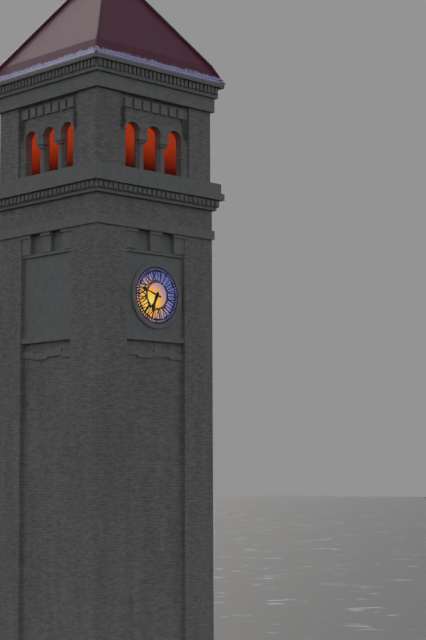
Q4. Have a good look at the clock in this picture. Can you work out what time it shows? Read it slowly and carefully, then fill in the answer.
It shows 6:48
